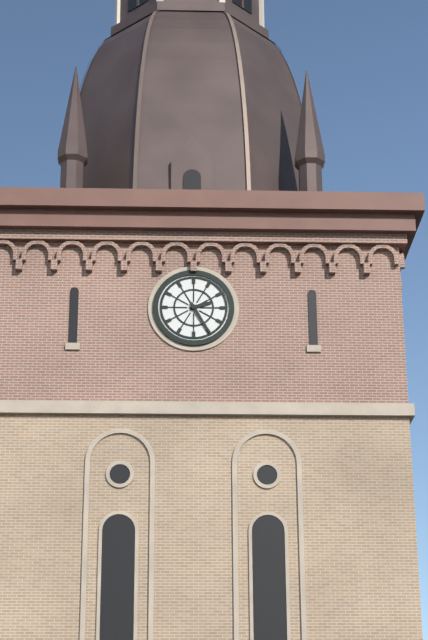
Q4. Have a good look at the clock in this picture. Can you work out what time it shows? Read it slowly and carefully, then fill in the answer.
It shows 2:25
